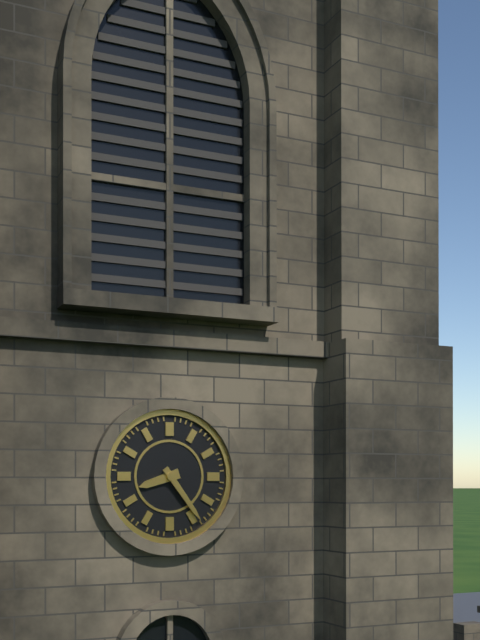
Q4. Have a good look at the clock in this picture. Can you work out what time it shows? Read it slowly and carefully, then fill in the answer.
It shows 8:24
